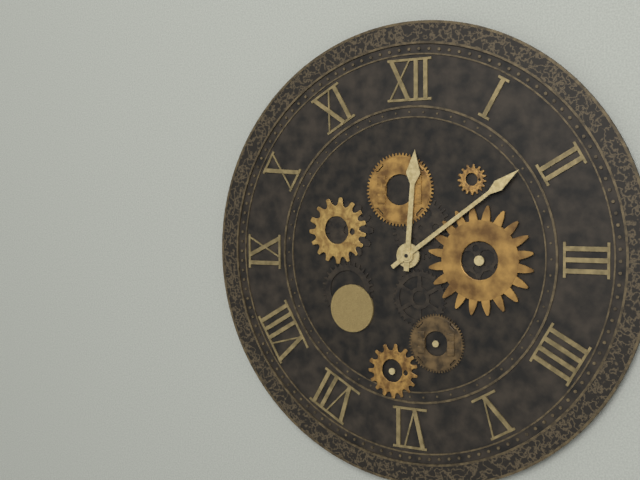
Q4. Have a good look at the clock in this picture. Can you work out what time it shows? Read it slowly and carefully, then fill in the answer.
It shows 12:09
